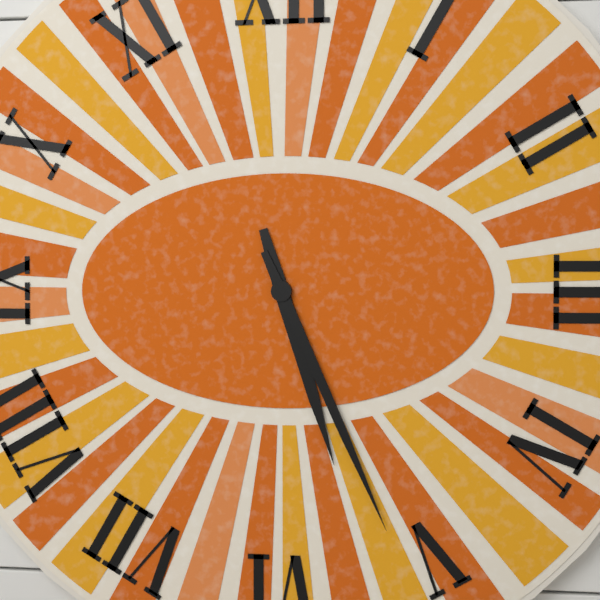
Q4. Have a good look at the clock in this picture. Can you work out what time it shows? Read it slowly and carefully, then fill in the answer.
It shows 5:26
